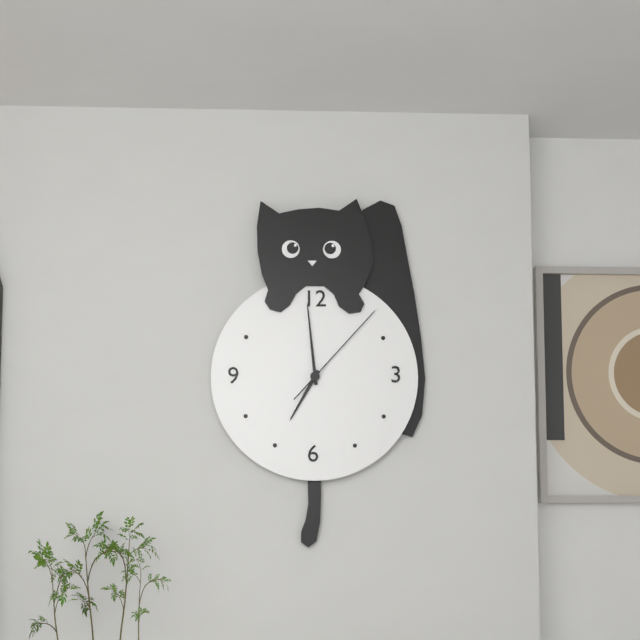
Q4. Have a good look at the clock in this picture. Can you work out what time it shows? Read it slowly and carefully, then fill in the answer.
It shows 6:59:07
